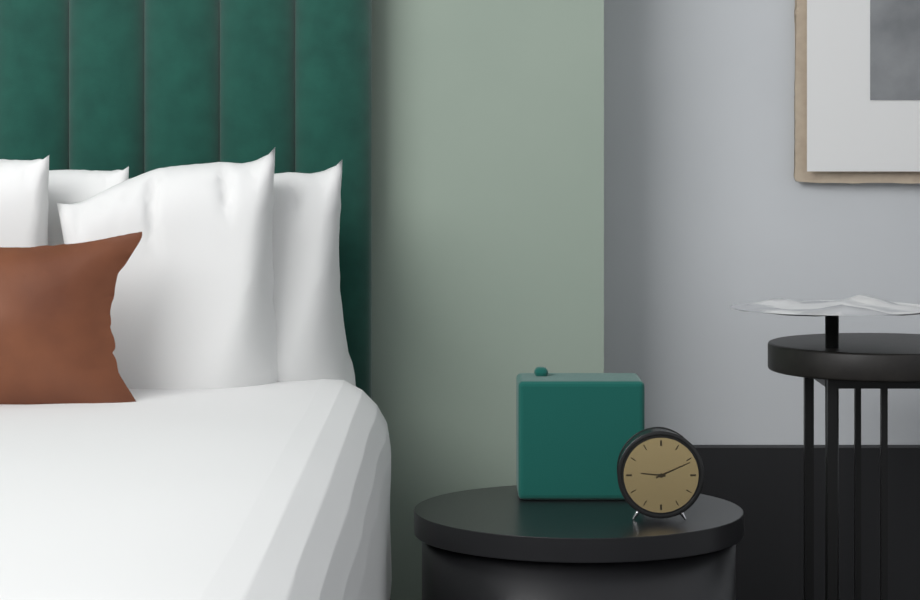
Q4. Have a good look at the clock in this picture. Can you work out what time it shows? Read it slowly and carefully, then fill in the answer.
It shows 9:11
